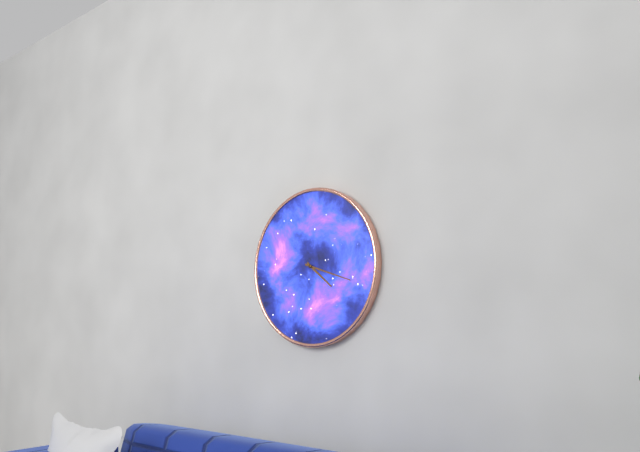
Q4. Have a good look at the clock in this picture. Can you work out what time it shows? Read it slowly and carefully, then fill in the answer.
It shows 4:18
